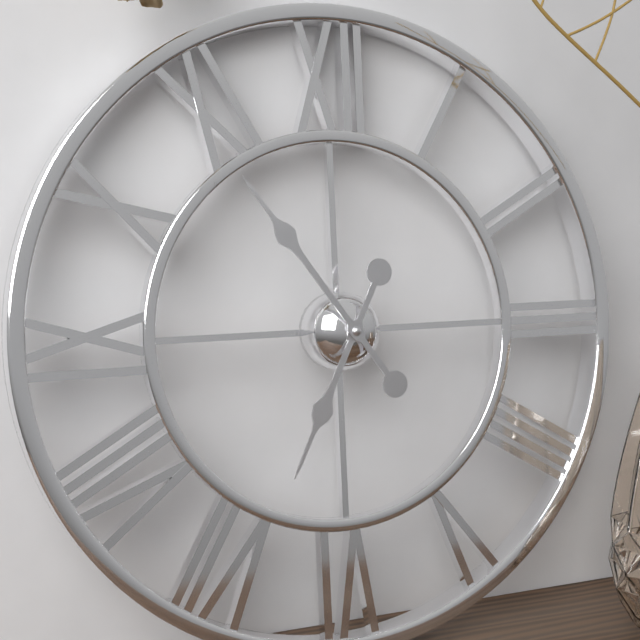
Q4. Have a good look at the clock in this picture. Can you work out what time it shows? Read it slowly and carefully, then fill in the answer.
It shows 6:54
